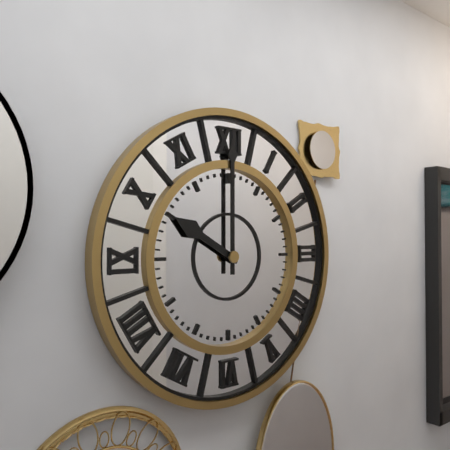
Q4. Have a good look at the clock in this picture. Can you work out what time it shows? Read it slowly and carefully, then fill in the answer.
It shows 10:00
